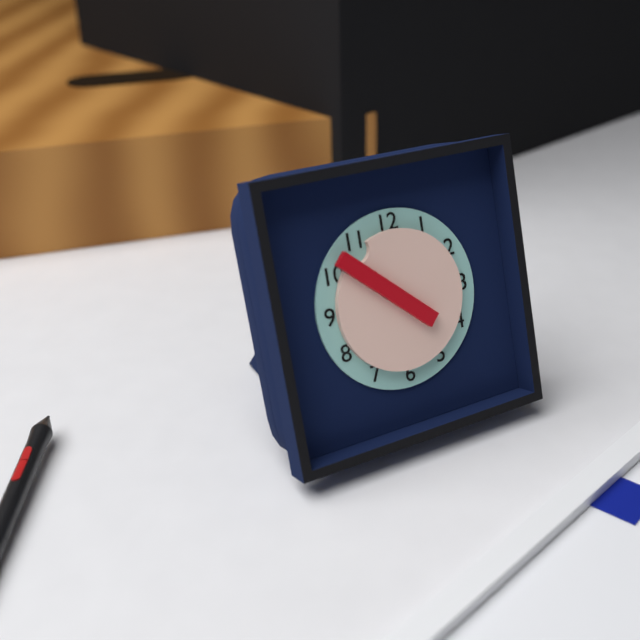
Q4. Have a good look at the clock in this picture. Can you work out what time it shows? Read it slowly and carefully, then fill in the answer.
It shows 10:52
